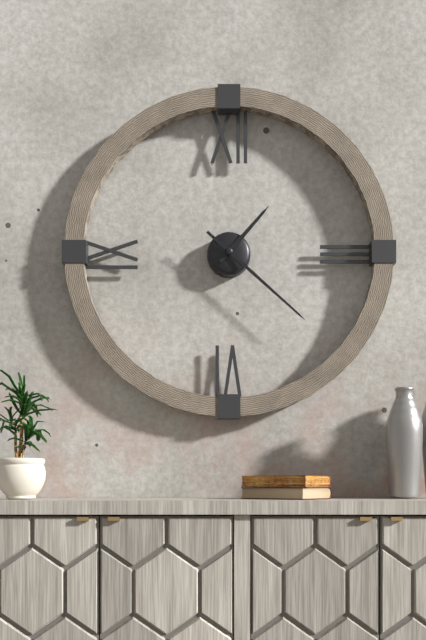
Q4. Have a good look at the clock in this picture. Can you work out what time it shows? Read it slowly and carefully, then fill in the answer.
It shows 1:22
